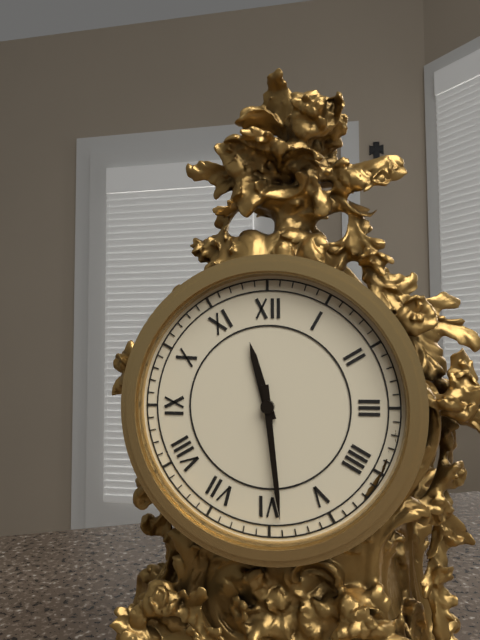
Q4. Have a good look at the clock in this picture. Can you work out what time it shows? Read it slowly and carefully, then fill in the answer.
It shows 11:29
